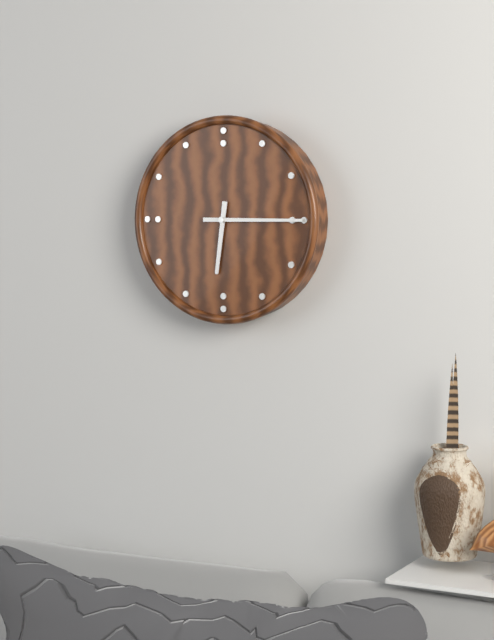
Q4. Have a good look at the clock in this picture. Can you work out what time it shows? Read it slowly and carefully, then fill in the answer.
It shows 6:15
